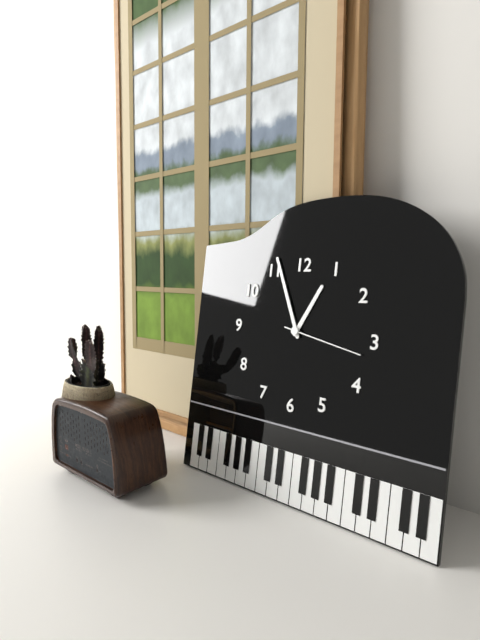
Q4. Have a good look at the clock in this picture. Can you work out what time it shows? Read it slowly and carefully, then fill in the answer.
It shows 12:56:17
